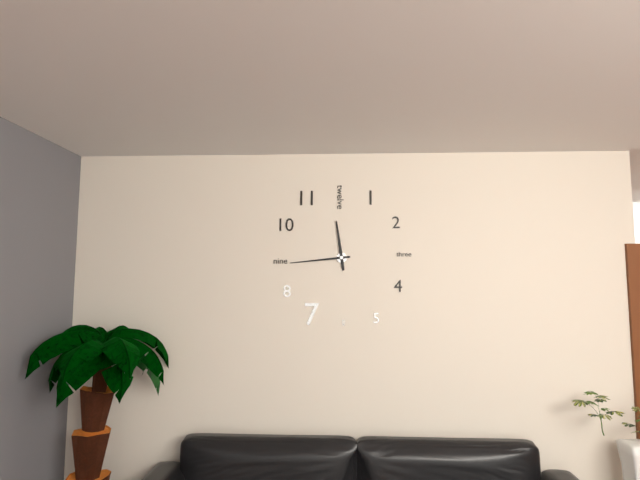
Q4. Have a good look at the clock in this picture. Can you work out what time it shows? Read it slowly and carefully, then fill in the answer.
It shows 11:44
